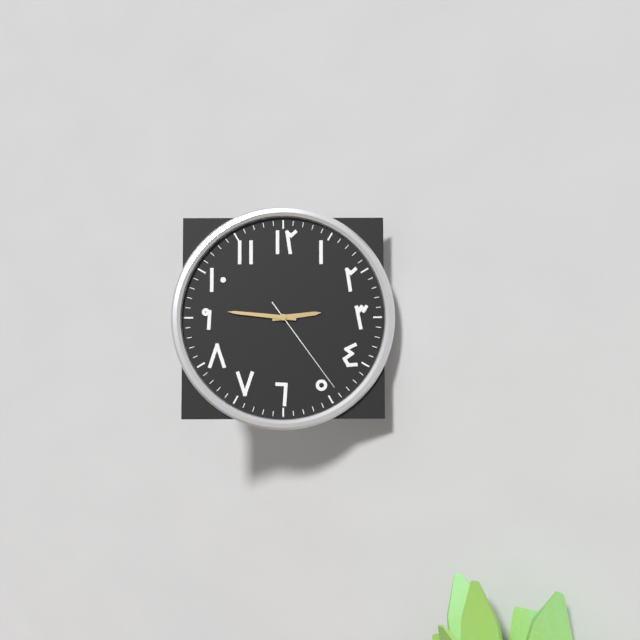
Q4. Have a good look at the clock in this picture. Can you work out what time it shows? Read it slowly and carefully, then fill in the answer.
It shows 2:46:24
